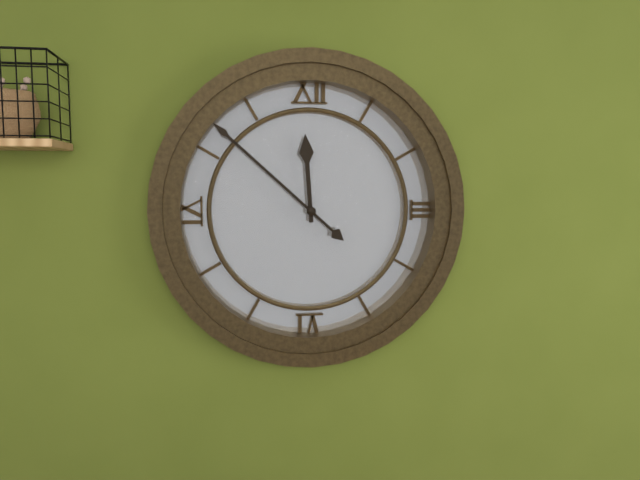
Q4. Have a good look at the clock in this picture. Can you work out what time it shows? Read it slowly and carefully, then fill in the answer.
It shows 11:52
